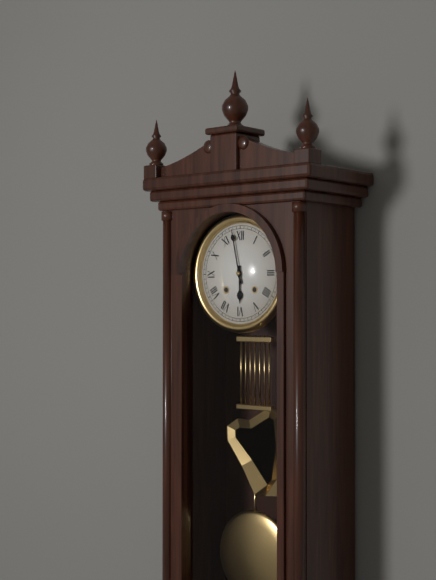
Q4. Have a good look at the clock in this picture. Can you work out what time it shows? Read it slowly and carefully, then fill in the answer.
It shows 5:58
